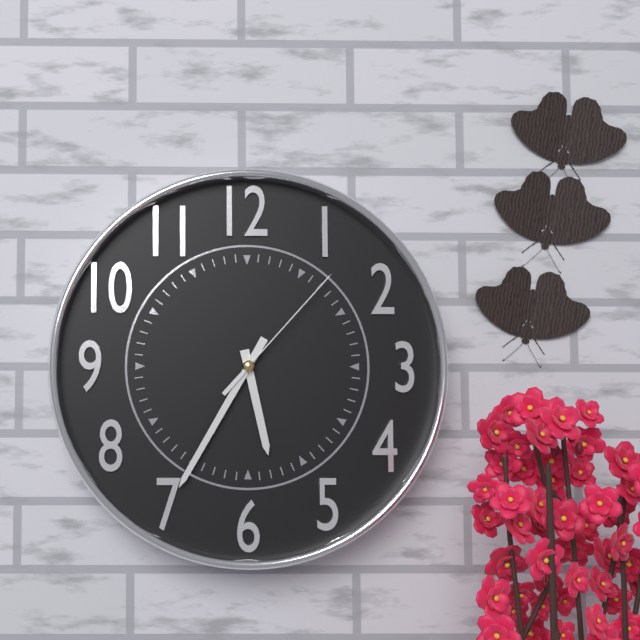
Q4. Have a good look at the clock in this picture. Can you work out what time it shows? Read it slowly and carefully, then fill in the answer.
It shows 5:35:07
